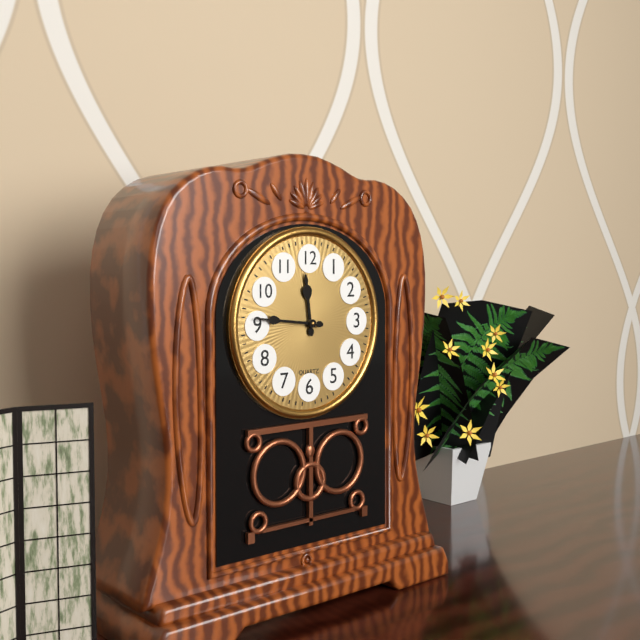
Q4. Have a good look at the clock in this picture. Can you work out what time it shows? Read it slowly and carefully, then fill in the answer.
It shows 11:46
